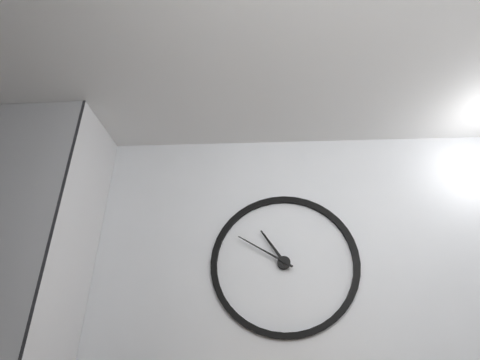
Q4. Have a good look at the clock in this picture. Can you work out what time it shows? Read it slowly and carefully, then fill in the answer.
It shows 10:50
